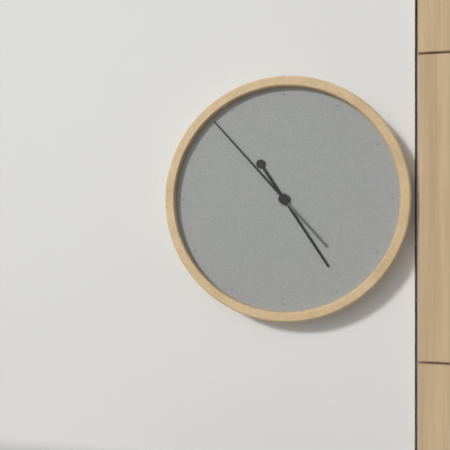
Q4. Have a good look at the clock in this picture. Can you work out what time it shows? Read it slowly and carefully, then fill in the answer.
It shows 4:53
